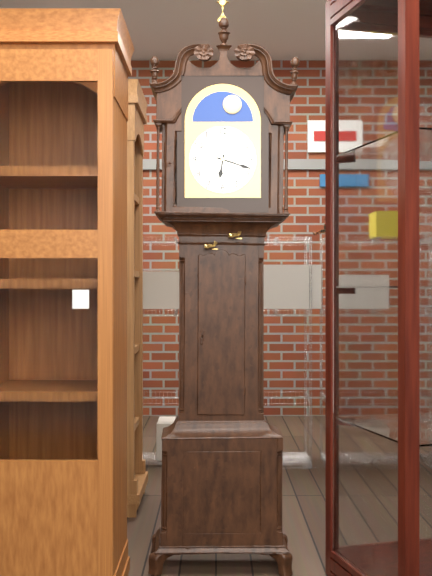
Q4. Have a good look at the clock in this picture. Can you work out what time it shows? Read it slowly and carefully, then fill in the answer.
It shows 6:18
